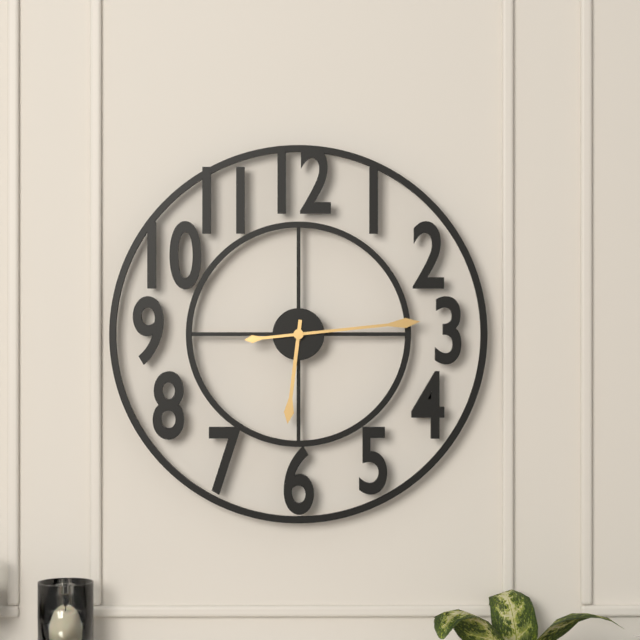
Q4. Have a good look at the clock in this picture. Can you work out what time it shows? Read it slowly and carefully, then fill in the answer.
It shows 6:14
